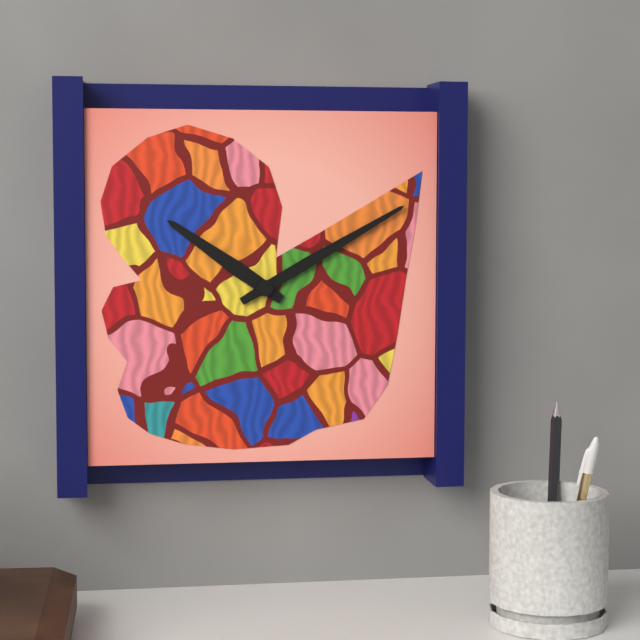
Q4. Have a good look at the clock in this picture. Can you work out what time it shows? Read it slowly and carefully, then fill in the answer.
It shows 10:10
